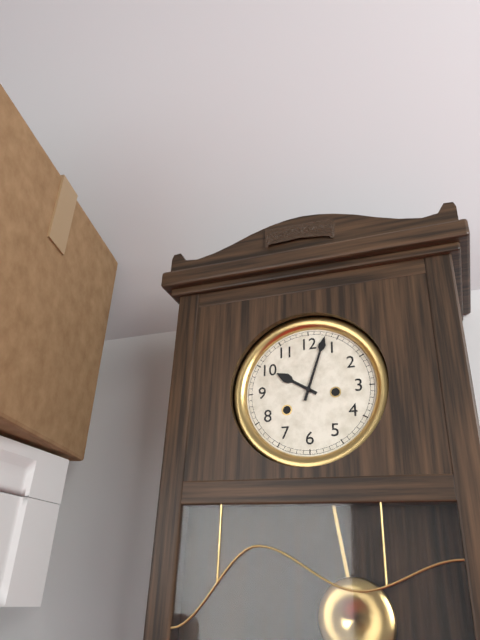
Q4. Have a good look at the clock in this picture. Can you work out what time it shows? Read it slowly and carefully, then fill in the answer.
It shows 10:03
